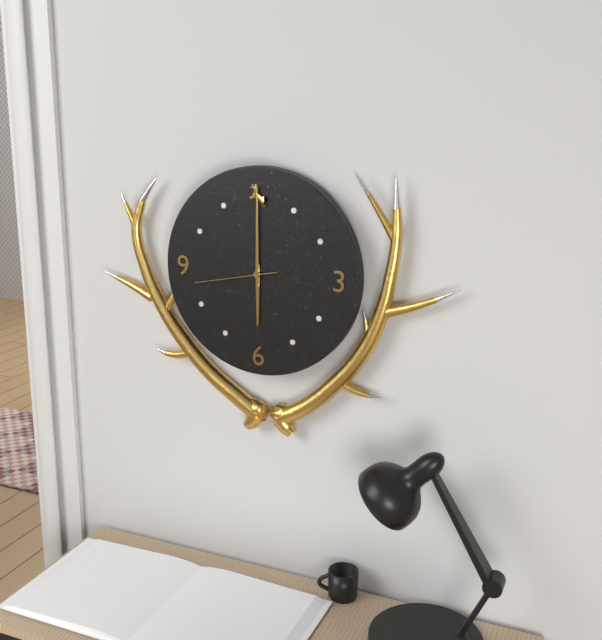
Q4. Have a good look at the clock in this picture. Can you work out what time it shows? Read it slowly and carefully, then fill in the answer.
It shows 6:00:43
